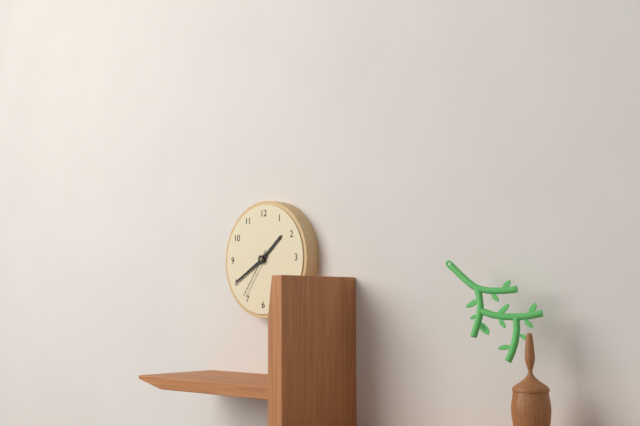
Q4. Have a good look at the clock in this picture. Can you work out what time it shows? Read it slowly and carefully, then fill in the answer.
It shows 1:40:36
